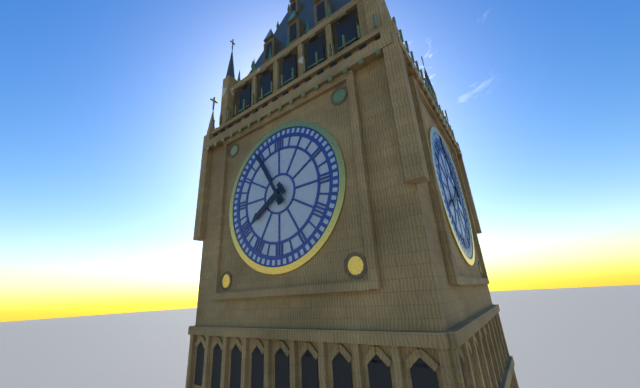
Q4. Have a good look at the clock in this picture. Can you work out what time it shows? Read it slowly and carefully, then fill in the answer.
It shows 7:55
